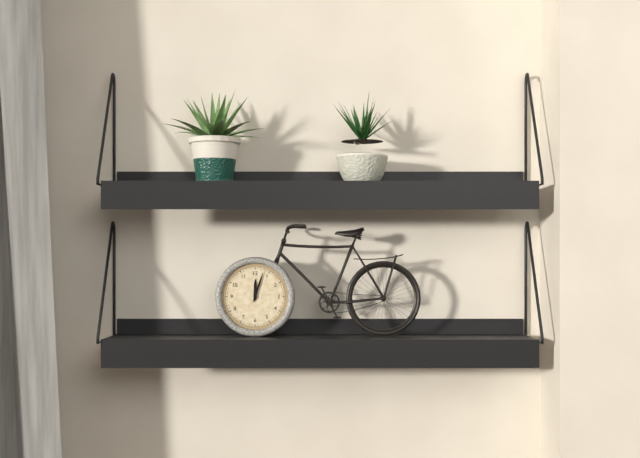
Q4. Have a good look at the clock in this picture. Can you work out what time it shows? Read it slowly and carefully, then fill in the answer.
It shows 12:03
